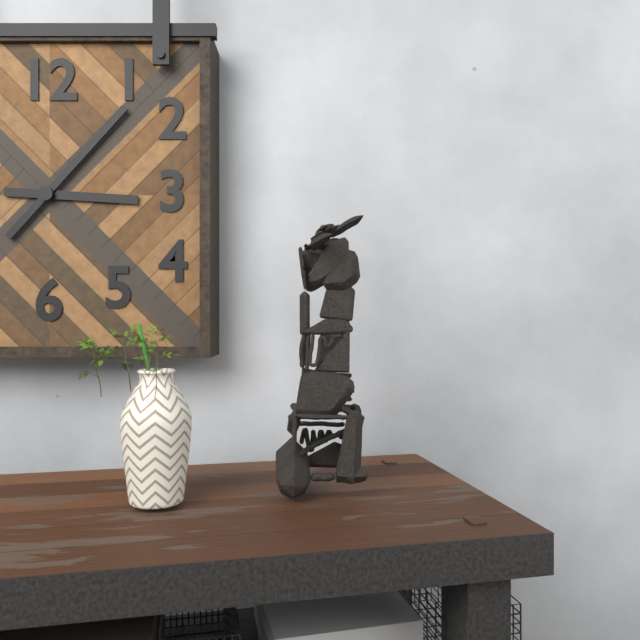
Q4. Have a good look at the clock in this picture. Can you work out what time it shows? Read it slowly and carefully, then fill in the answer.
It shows 3:07
